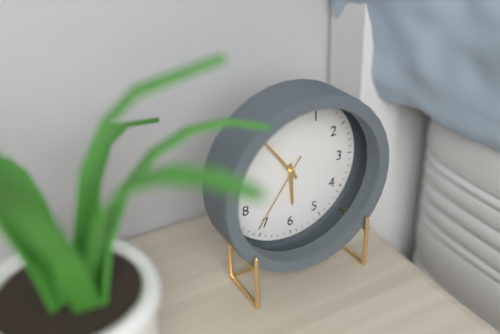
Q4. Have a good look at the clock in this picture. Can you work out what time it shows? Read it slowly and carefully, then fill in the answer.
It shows 5:54:36
